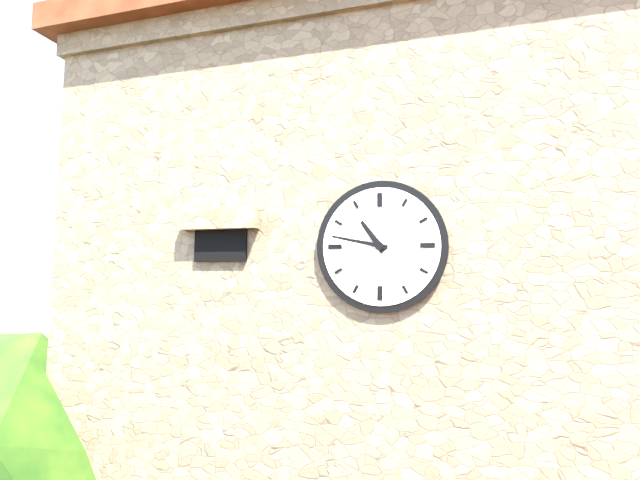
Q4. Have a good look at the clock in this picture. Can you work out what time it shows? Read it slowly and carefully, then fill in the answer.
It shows 10:47
